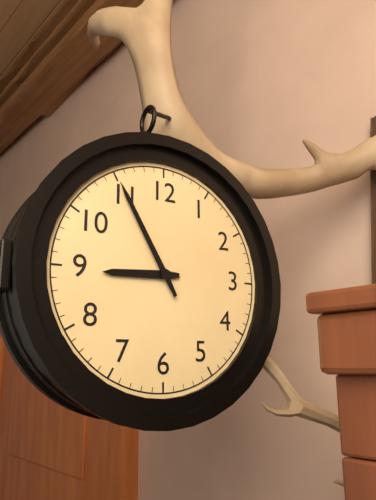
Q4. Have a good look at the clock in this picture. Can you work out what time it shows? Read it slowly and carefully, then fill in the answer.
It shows 8:55
